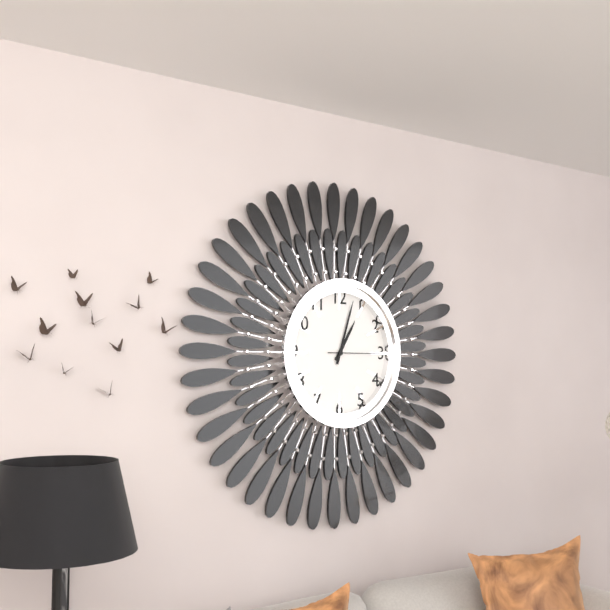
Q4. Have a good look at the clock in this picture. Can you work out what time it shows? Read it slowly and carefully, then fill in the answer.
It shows 1:03:15
